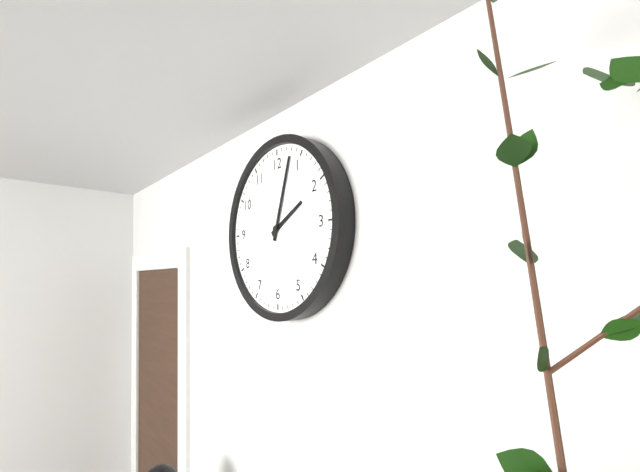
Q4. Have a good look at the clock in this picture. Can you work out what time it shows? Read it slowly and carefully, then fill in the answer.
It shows 2:03
